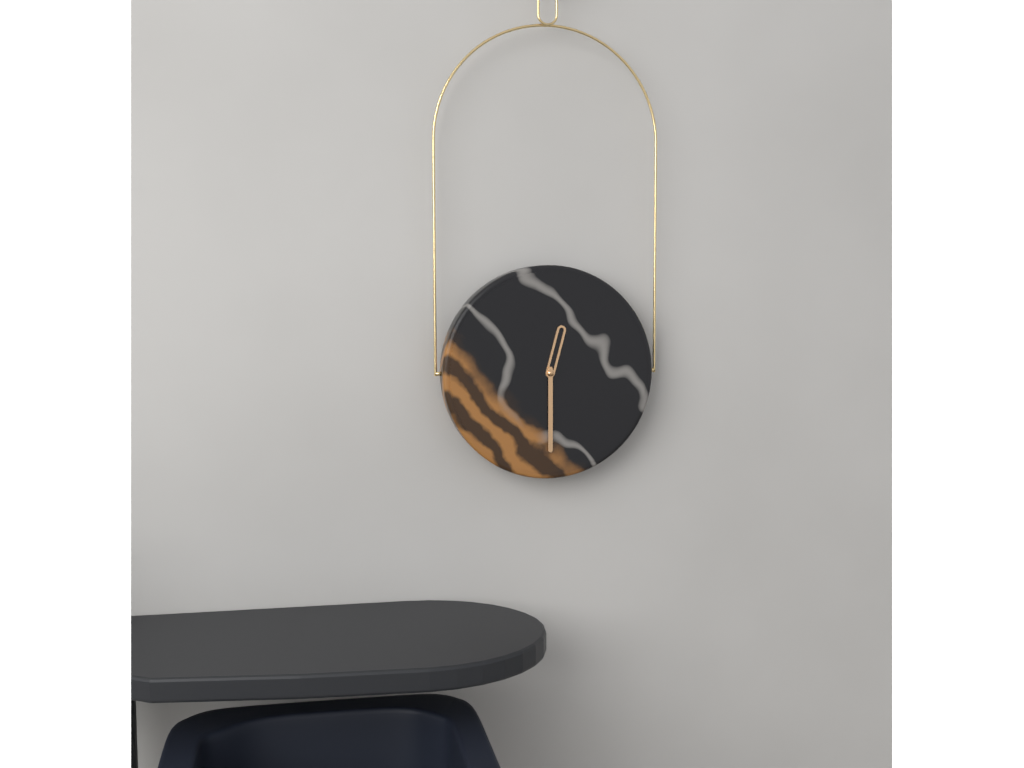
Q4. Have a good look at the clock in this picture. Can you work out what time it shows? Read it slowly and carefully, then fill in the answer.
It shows 12:30
